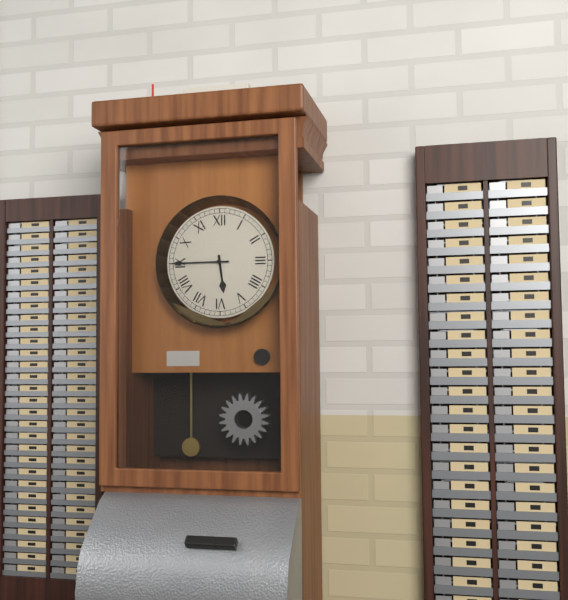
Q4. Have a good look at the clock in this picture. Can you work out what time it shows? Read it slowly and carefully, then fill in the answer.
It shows 5:45
